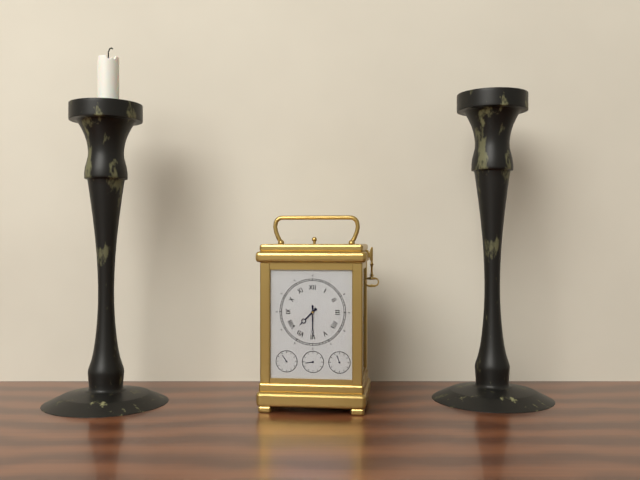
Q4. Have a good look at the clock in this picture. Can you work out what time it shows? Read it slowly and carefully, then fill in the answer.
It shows 7:30
